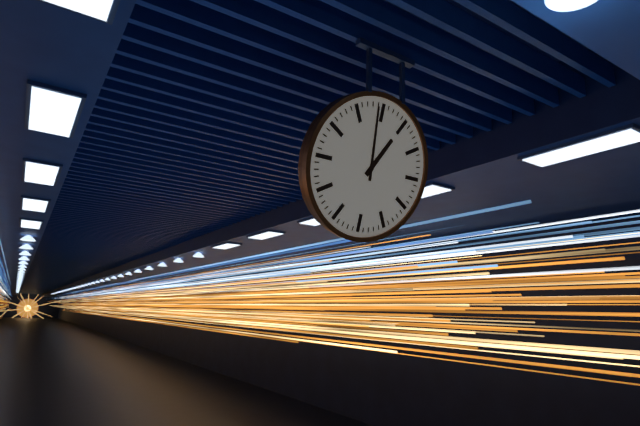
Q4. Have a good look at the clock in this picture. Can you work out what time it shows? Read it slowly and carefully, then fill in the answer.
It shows 12:59
